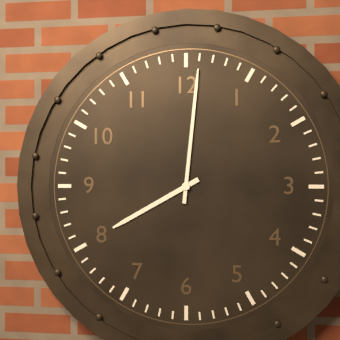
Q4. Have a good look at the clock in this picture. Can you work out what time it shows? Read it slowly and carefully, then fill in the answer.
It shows 8:01
